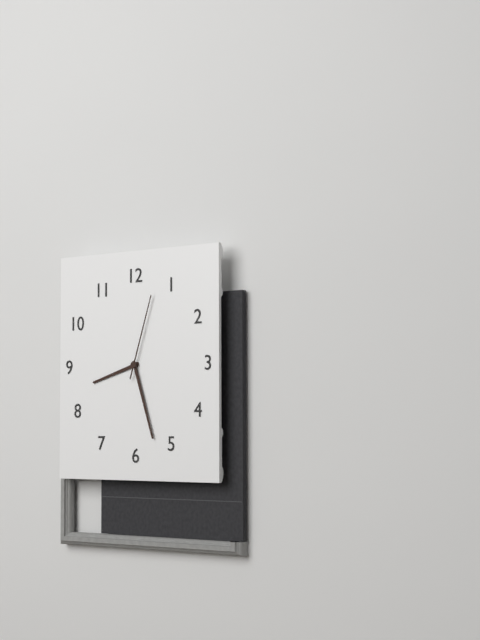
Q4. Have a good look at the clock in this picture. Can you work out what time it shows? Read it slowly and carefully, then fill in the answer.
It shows 8:27:03
